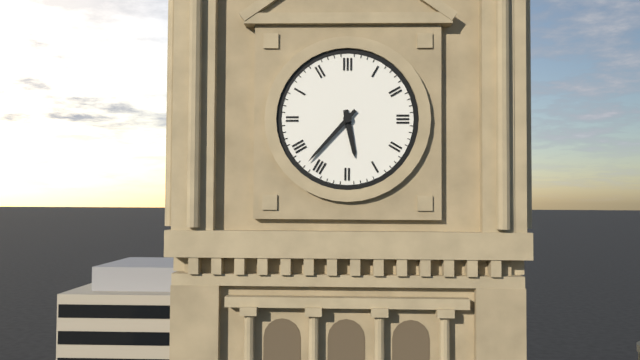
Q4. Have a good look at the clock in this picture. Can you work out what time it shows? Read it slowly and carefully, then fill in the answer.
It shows 5:37
